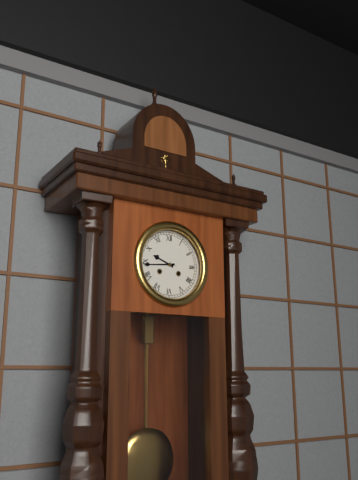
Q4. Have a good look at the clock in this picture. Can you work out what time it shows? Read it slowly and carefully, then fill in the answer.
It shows 9:44
